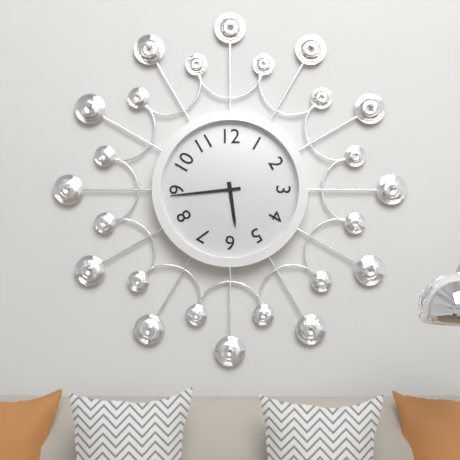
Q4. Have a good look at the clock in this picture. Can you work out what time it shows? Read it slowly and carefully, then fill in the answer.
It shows 5:44
